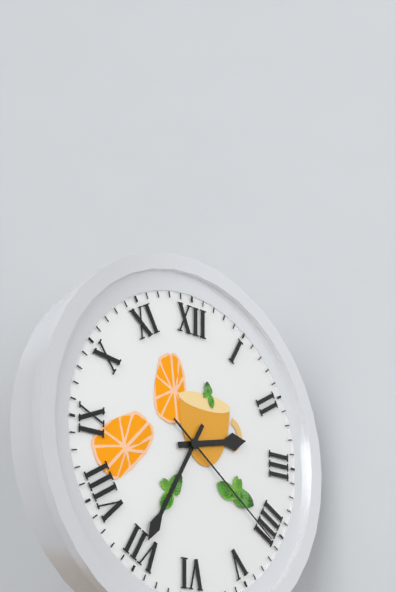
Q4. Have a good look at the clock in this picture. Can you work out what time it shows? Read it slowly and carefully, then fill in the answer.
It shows 2:35:21
